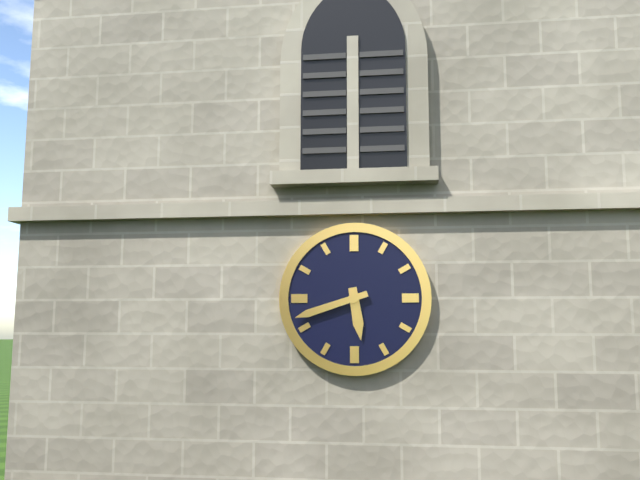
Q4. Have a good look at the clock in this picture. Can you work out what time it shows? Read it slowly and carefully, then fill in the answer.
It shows 5:42
